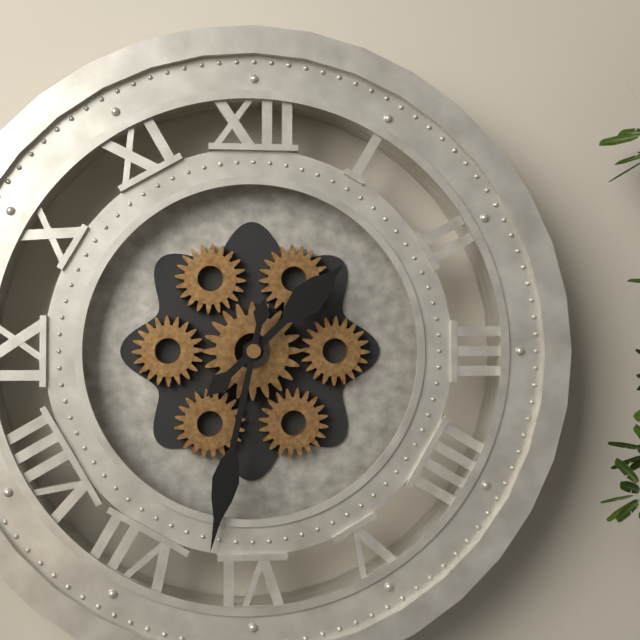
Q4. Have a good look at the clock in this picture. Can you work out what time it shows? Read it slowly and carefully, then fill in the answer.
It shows 1:32
